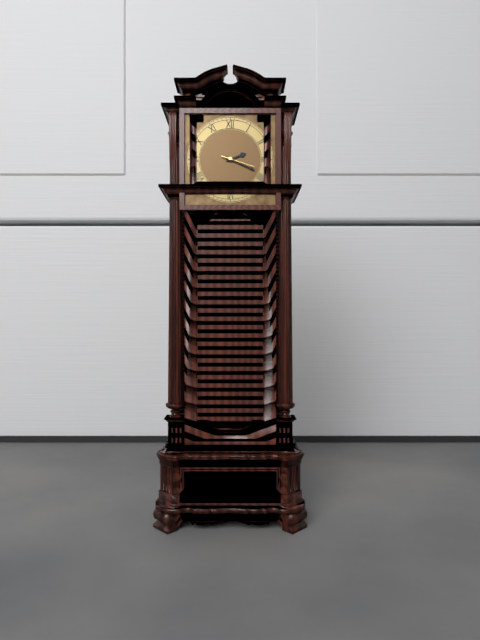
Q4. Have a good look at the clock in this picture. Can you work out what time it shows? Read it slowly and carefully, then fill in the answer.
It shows 2:19
